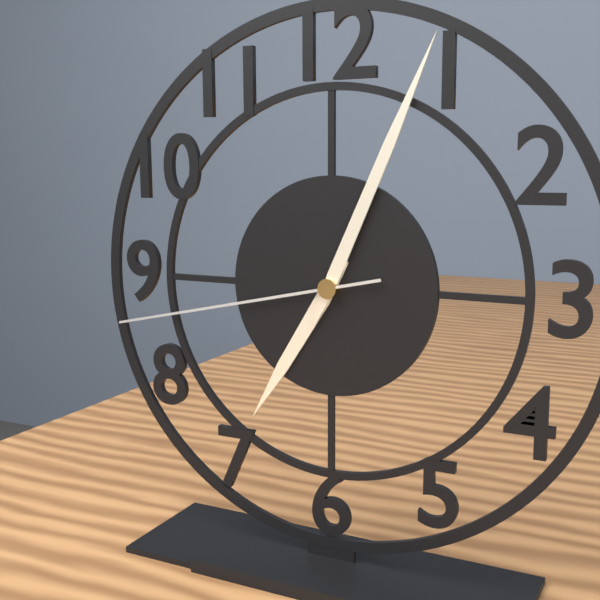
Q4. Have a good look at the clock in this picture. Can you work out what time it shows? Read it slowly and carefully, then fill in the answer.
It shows 7:04:43
